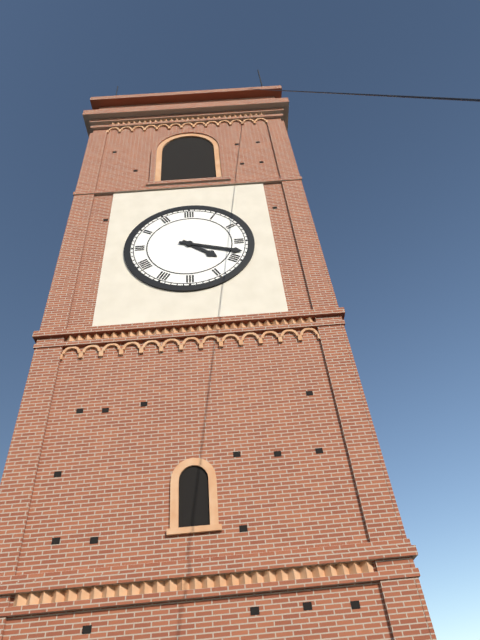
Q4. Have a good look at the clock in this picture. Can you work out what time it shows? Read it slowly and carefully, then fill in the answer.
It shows 4:18
